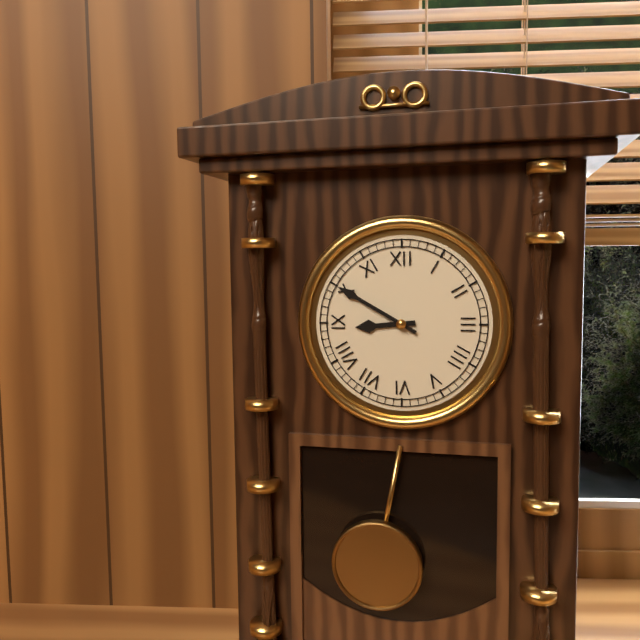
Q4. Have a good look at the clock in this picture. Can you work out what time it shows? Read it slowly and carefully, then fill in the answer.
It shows 8:50
